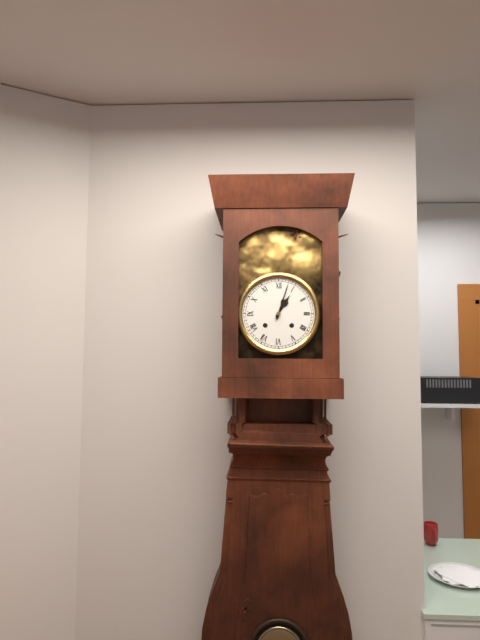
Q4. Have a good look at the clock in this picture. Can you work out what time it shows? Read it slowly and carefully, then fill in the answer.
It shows 1:03
